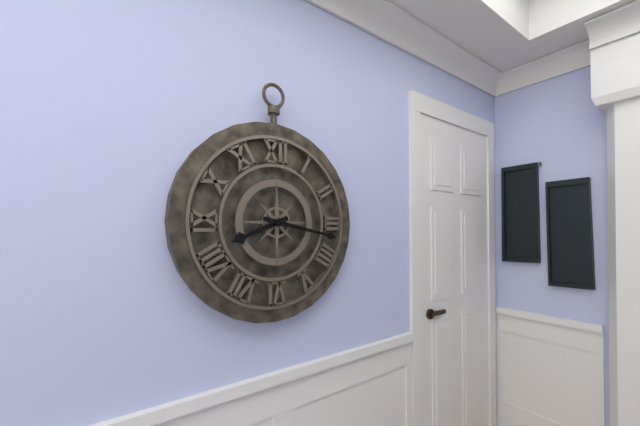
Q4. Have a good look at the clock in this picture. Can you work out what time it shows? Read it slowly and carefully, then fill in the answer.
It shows 8:17
